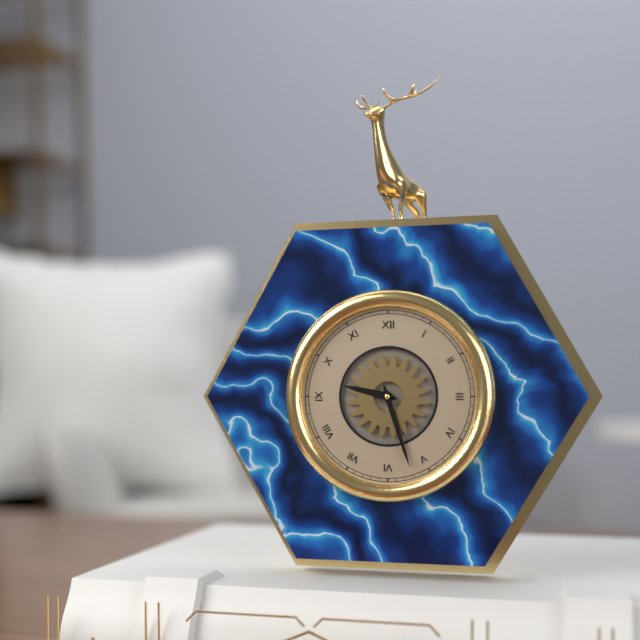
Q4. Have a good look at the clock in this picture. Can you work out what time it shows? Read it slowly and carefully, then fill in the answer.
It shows 9:27
